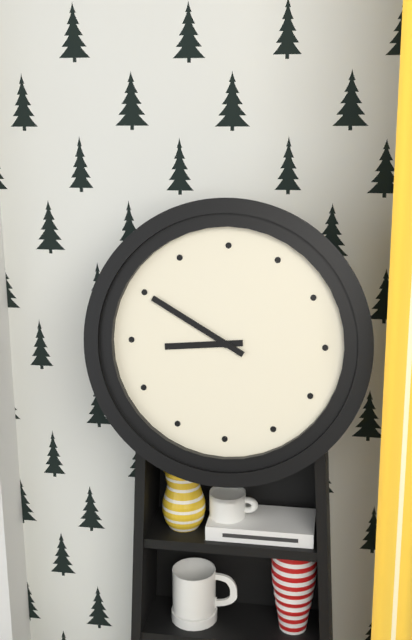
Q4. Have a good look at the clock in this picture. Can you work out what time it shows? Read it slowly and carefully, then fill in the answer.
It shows 8:50
